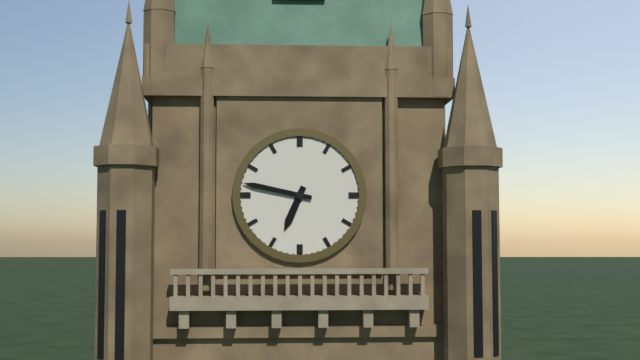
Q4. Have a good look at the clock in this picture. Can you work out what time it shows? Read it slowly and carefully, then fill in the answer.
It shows 6:47
